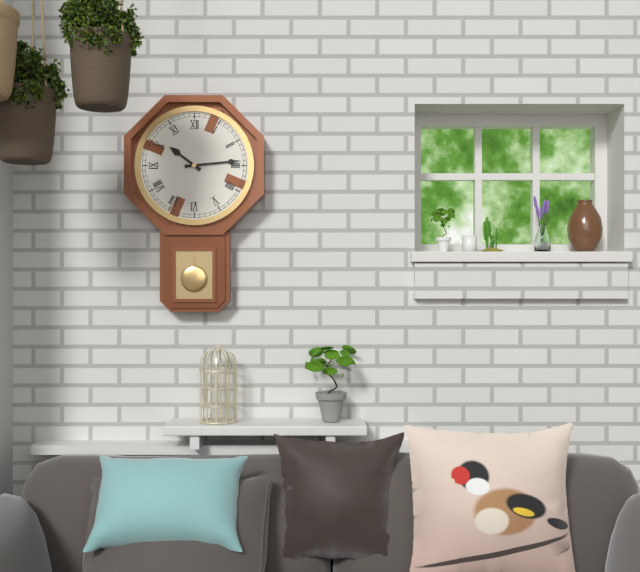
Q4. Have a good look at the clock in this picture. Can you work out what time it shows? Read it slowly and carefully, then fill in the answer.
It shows 10:14
